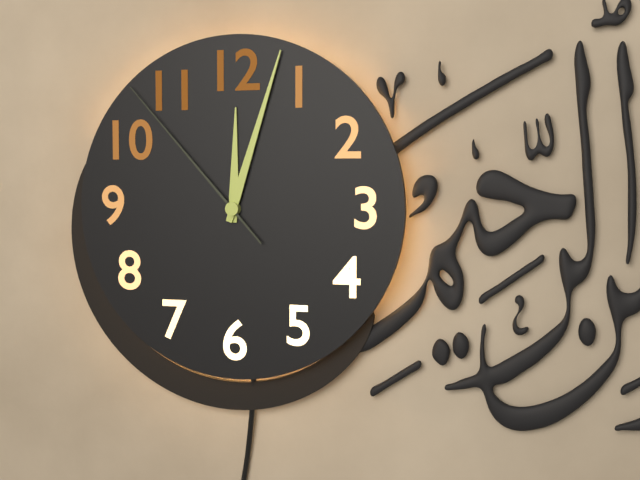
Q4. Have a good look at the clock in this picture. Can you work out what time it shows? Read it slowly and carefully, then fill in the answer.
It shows 12:03:53
